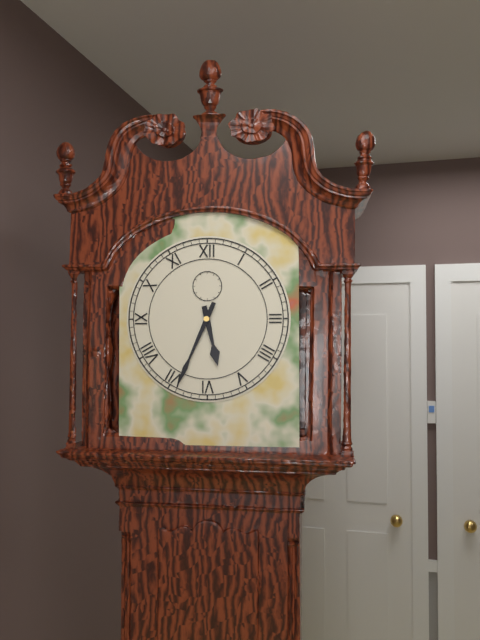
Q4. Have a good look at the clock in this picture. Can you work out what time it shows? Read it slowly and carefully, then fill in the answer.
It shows 5:34
